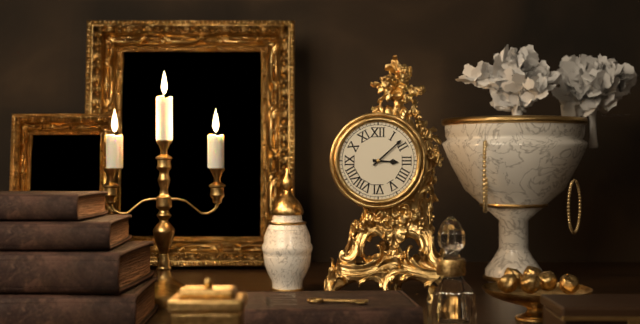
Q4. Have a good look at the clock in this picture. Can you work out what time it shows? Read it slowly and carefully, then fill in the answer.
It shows 3:08
